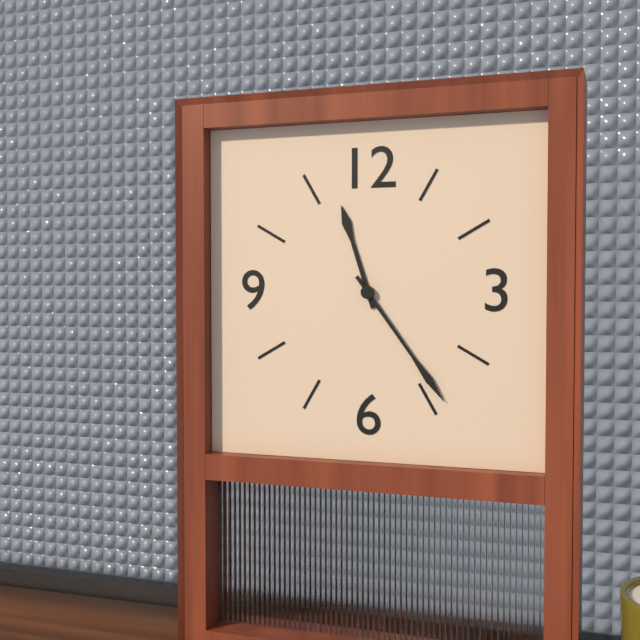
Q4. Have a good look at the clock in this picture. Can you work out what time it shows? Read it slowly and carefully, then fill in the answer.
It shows 11:24
